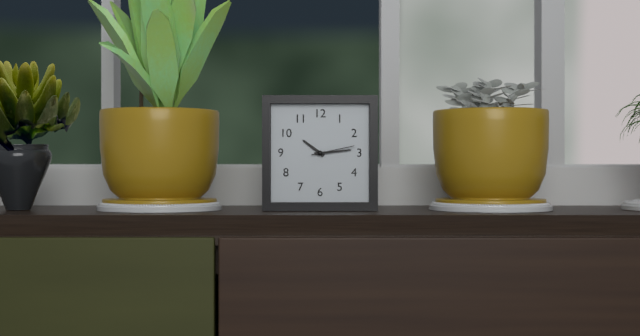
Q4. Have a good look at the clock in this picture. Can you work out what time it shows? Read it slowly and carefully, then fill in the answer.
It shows 10:14
